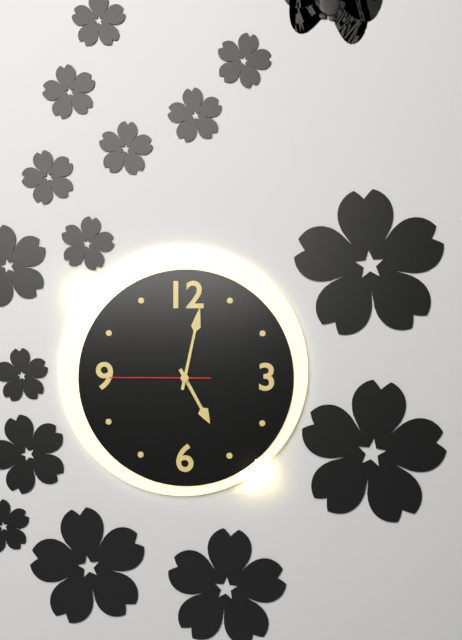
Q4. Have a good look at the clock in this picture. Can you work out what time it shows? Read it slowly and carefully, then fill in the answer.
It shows 5:02:45
